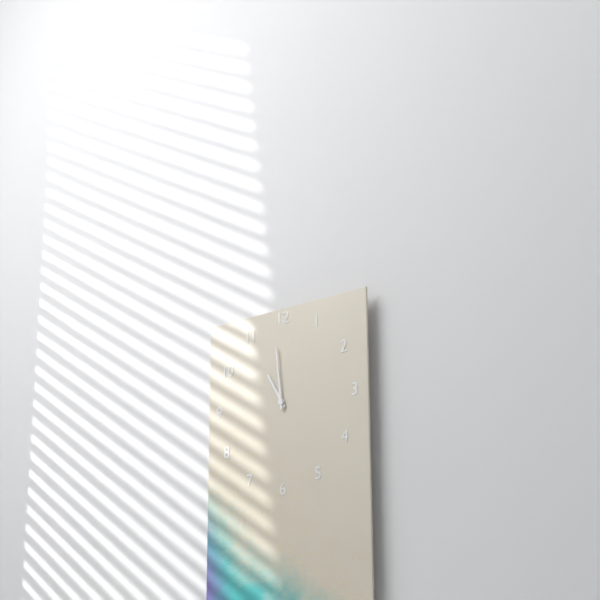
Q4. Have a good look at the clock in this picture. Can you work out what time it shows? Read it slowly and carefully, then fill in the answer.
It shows 10:59
